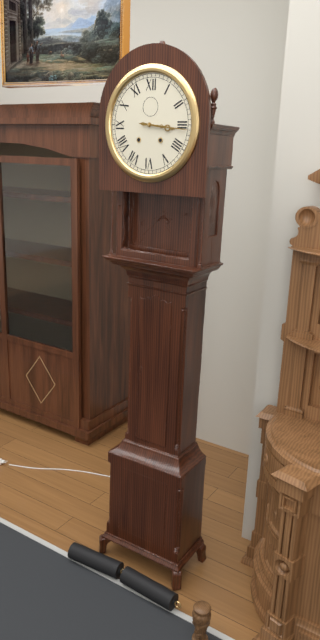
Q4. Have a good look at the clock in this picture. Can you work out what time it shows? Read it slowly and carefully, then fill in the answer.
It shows 3:16
